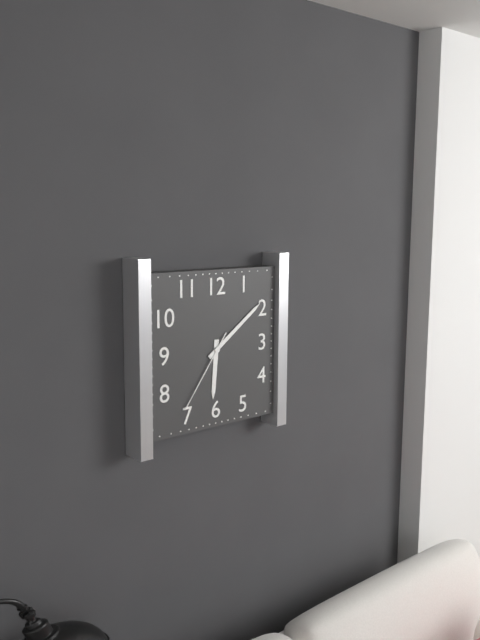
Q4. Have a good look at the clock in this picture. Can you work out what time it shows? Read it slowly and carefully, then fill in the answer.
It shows 6:09:36
